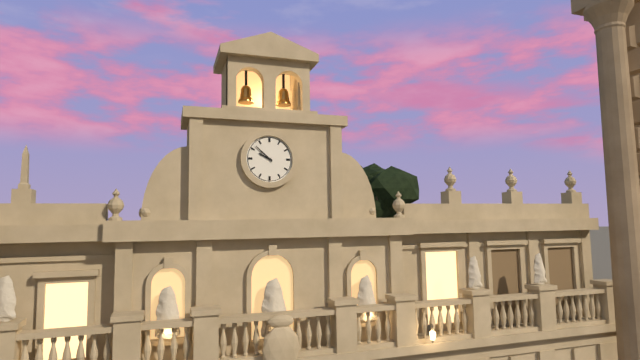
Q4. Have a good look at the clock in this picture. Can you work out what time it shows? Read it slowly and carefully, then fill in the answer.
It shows 9:52
